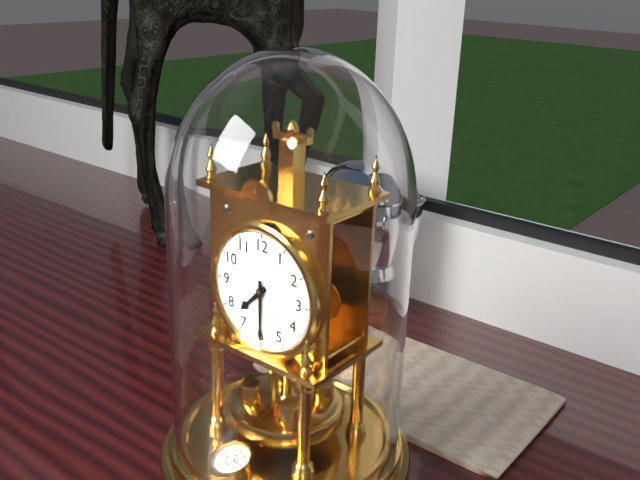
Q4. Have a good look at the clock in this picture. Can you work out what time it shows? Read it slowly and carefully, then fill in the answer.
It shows 7:30
